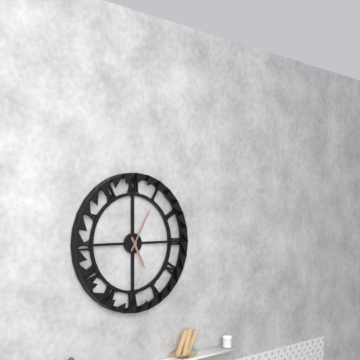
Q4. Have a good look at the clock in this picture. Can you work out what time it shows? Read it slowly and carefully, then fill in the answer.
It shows 5:05
